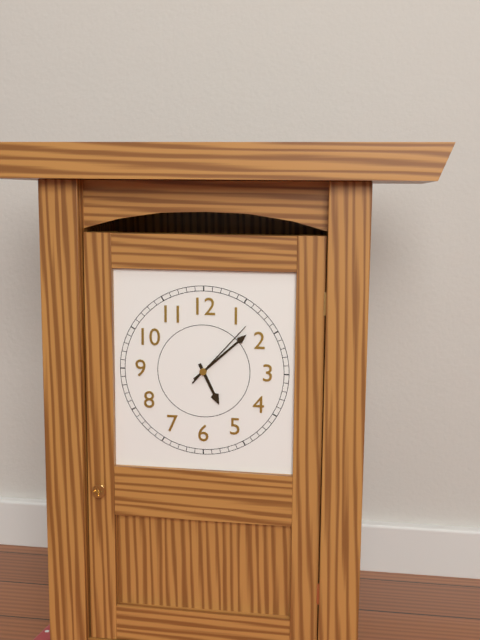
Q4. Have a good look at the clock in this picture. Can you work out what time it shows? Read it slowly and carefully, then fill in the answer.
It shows 5:08:07
